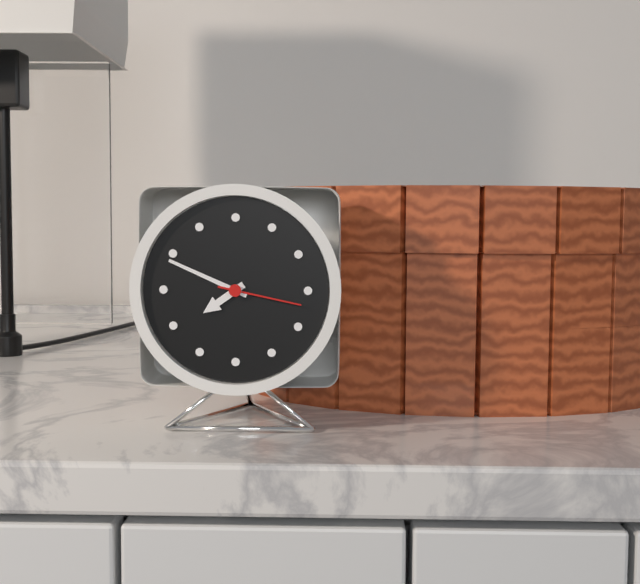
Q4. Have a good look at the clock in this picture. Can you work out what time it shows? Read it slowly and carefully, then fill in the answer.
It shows 7:49:17
